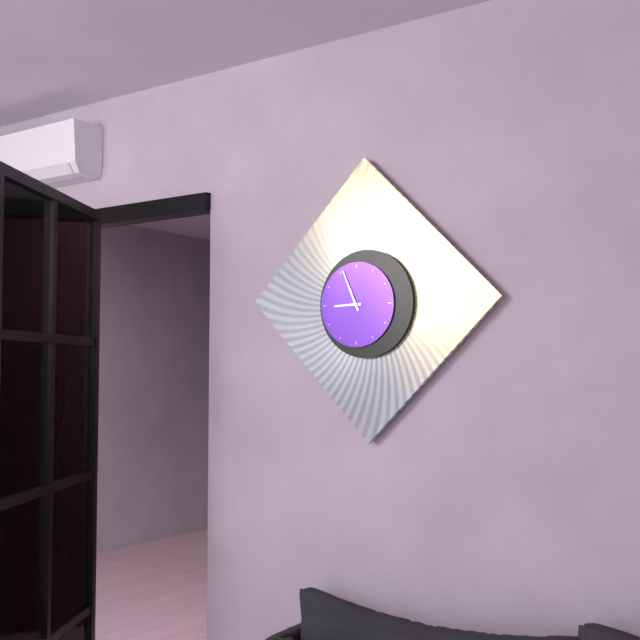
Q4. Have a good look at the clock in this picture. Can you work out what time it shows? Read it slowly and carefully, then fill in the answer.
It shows 8:56
